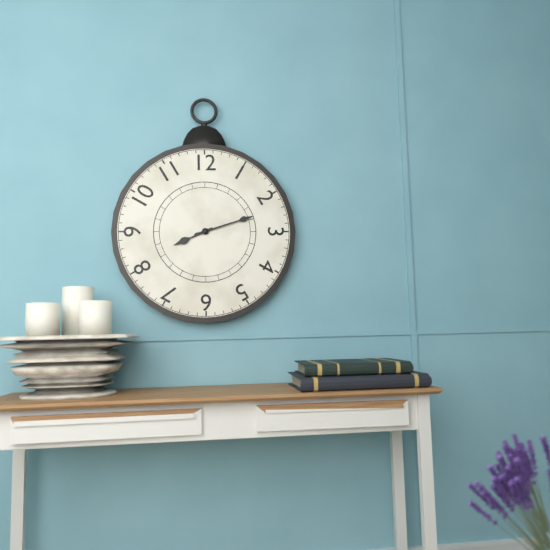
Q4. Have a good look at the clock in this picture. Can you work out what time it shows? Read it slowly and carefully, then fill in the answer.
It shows 8:12
